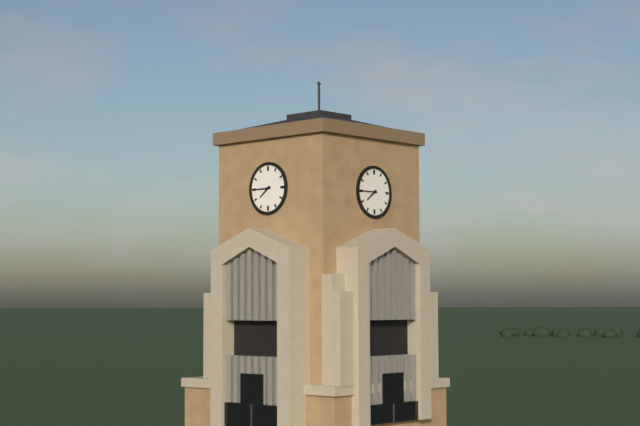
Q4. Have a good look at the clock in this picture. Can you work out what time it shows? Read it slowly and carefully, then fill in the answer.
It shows 7:45
